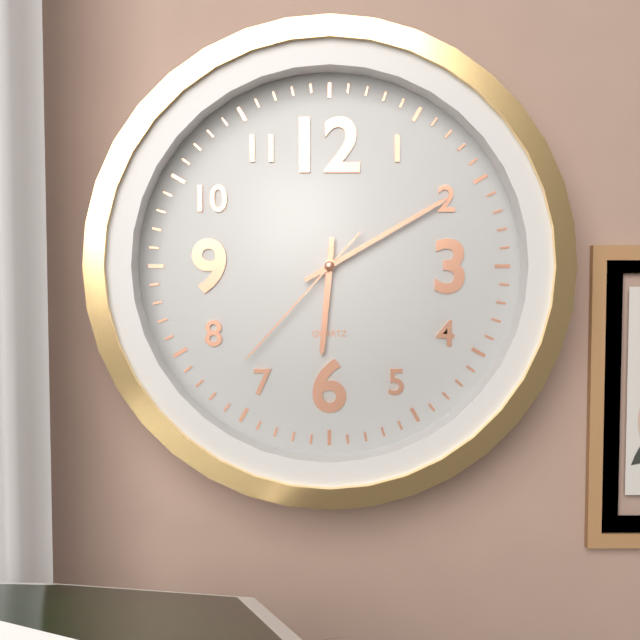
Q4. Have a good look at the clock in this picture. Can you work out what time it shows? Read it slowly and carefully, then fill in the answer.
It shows 6:10:37
